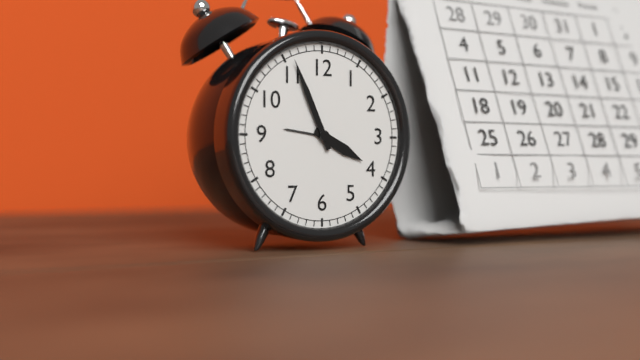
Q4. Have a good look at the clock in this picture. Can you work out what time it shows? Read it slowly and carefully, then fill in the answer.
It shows 3:56
